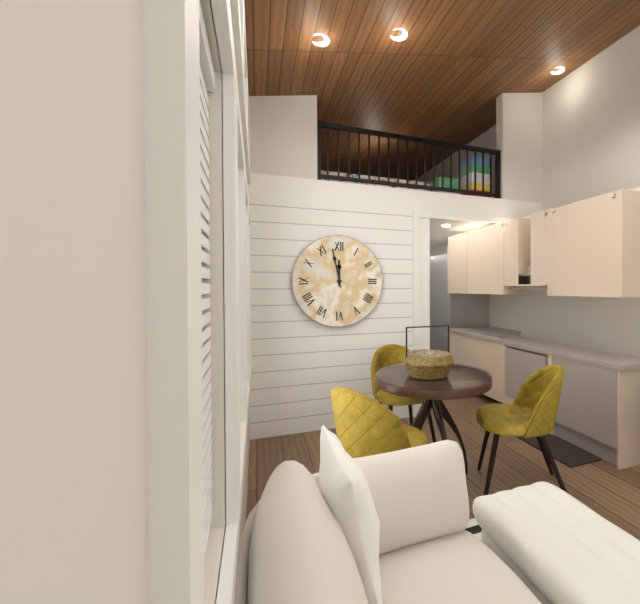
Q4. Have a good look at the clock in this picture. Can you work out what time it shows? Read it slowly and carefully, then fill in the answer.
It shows 11:58
